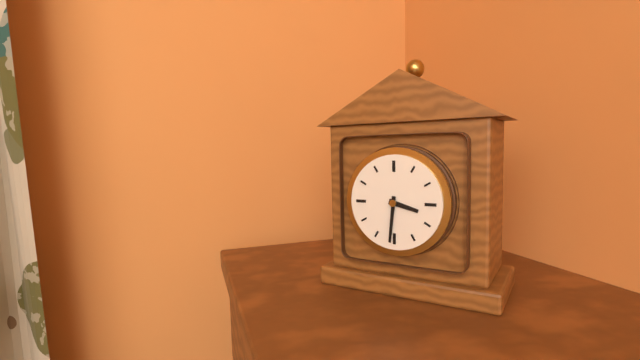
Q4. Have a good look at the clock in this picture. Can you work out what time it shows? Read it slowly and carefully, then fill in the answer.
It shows 3:31
